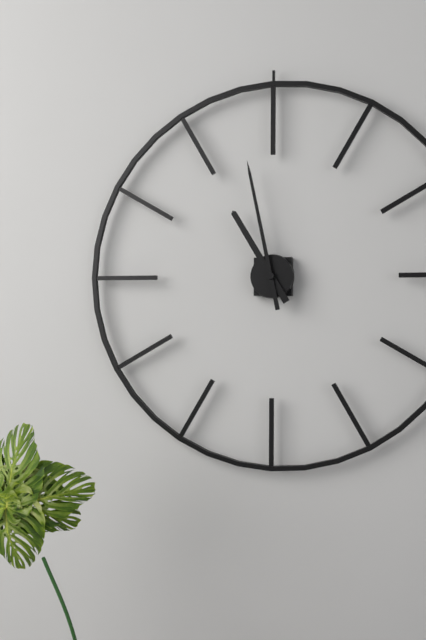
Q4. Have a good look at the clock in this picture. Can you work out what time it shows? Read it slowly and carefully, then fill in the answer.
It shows 10:58
